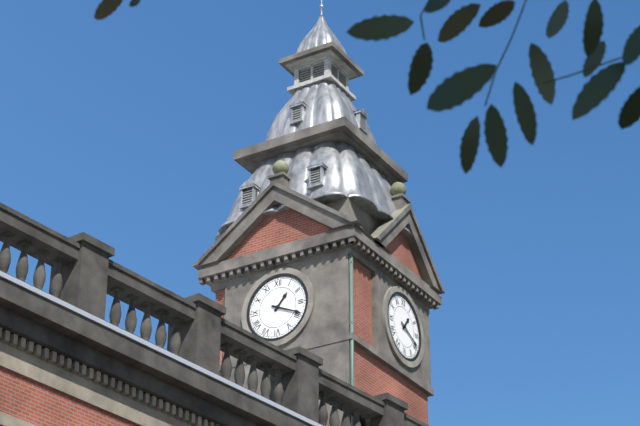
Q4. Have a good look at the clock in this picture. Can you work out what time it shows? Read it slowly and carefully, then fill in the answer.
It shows 1:19
